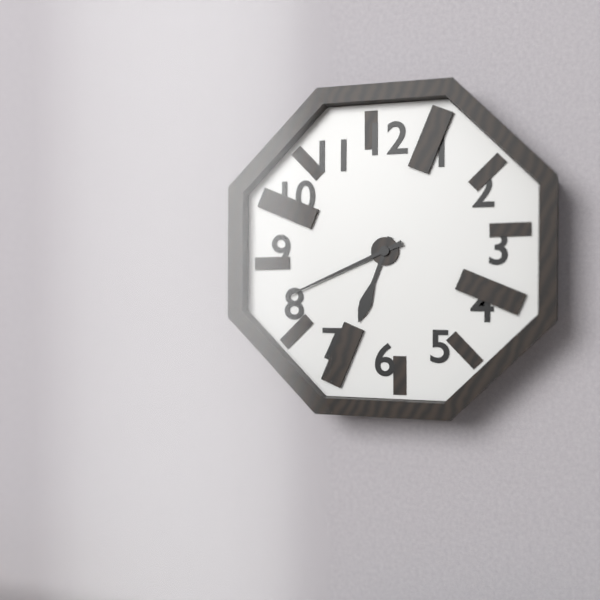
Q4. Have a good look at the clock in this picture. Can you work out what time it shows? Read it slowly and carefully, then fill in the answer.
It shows 6:41
